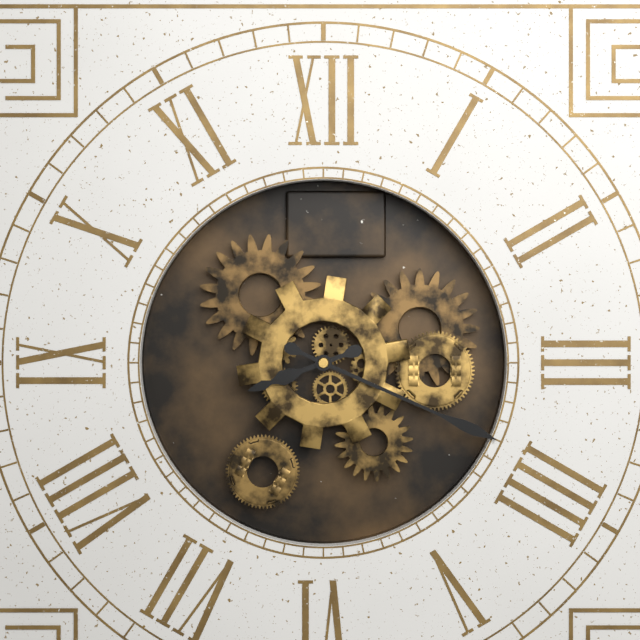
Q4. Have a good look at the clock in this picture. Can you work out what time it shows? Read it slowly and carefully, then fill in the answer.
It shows 8:19
